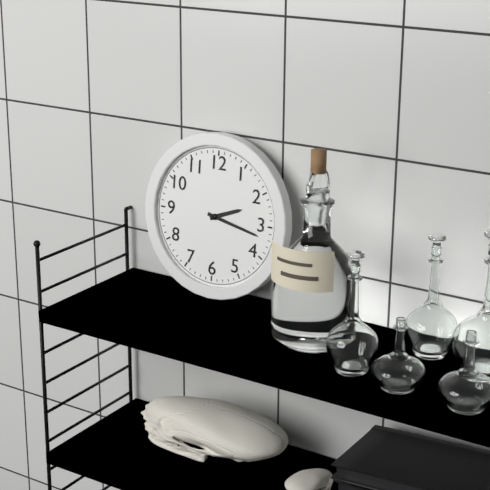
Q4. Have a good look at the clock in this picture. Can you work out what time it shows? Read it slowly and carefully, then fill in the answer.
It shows 2:17
